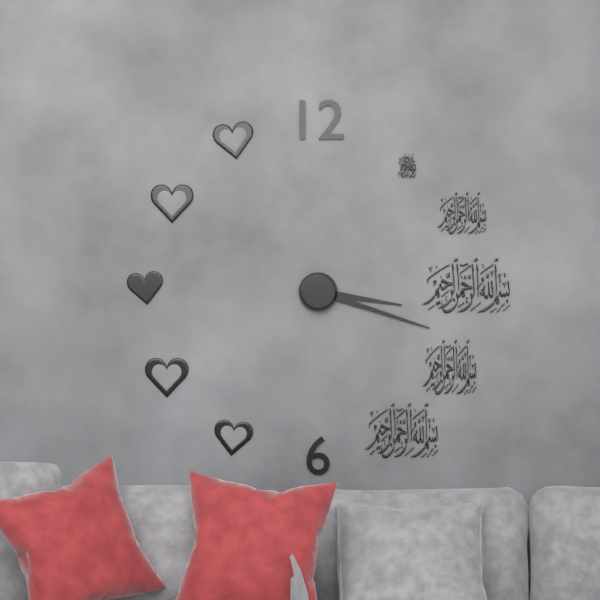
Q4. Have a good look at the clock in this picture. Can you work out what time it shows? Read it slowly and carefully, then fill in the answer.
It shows 3:18
